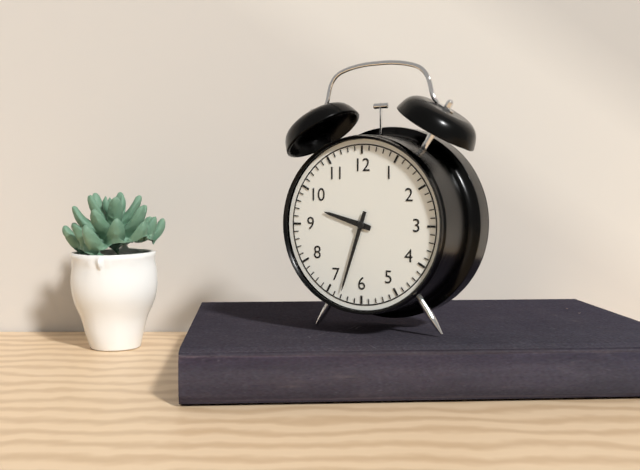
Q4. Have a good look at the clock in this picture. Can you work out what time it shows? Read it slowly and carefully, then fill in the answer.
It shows 9:33
